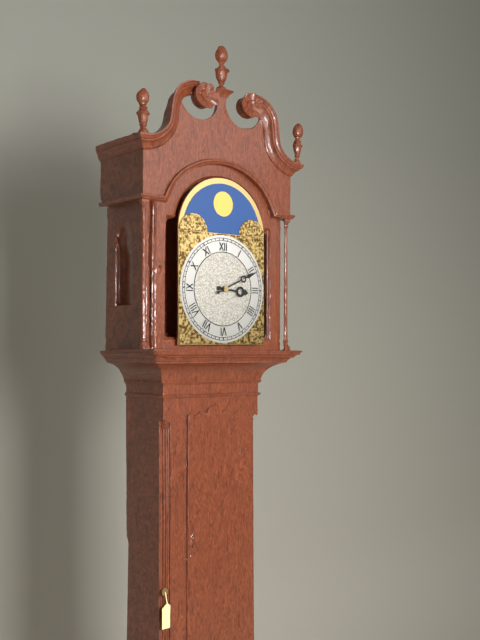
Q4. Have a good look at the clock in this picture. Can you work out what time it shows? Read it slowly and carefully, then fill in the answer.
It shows 3:11
